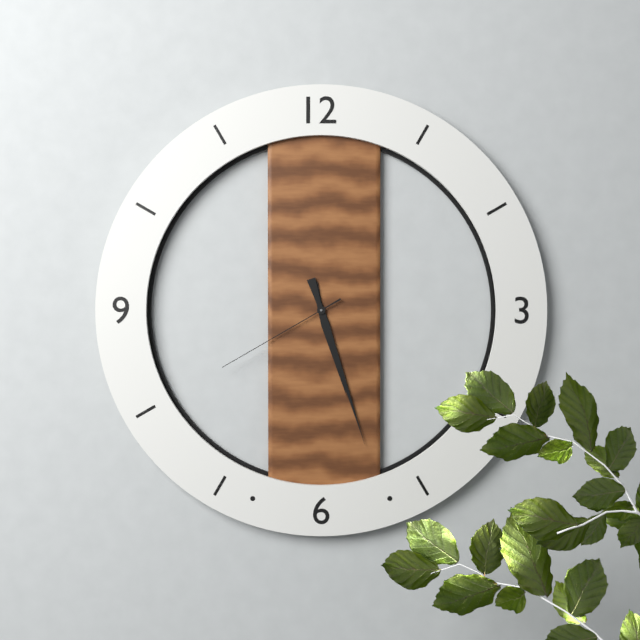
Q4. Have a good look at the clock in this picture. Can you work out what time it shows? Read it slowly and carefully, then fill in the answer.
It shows 5:27:40
